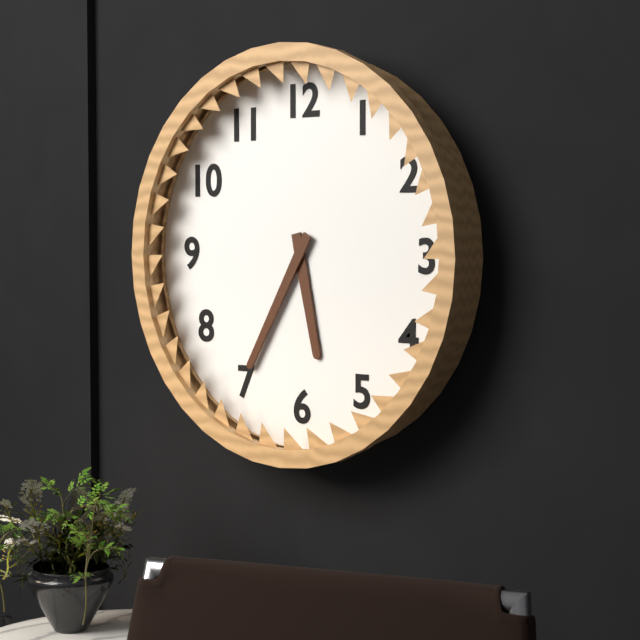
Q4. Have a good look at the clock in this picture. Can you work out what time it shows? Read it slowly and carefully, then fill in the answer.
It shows 5:35
